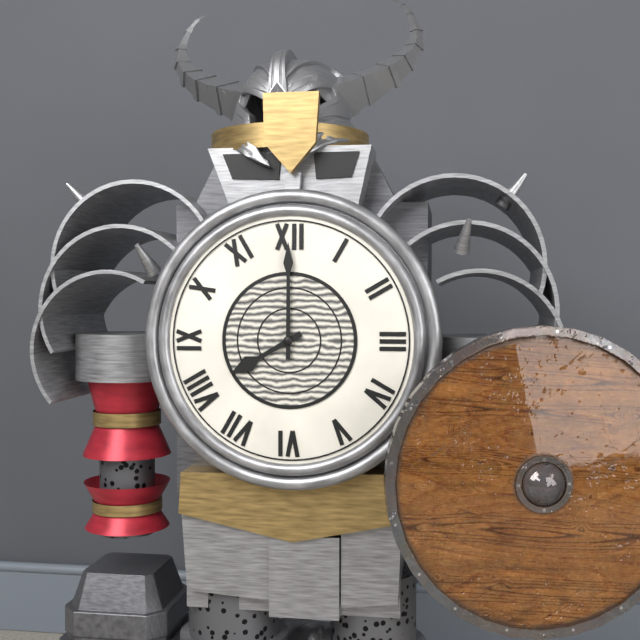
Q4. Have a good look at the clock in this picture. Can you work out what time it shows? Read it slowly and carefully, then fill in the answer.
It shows 8:00
